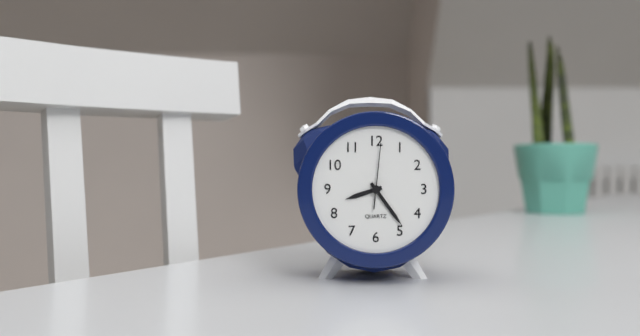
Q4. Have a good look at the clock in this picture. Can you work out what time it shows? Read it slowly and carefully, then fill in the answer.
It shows 8:24:01
